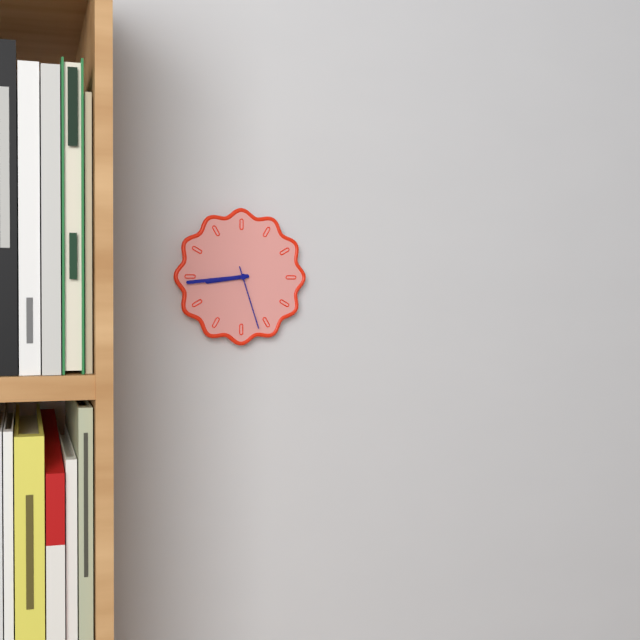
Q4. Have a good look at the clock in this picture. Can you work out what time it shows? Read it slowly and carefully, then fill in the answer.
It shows 8:44:27
